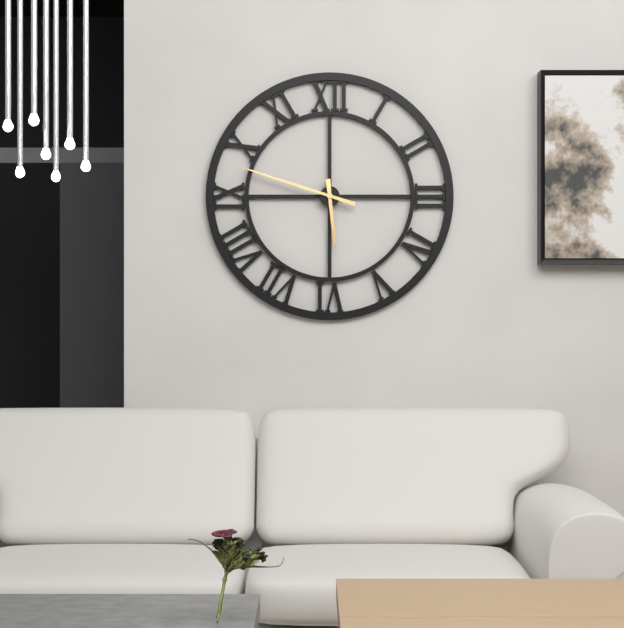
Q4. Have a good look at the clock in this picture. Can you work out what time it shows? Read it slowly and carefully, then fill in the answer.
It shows 5:48
